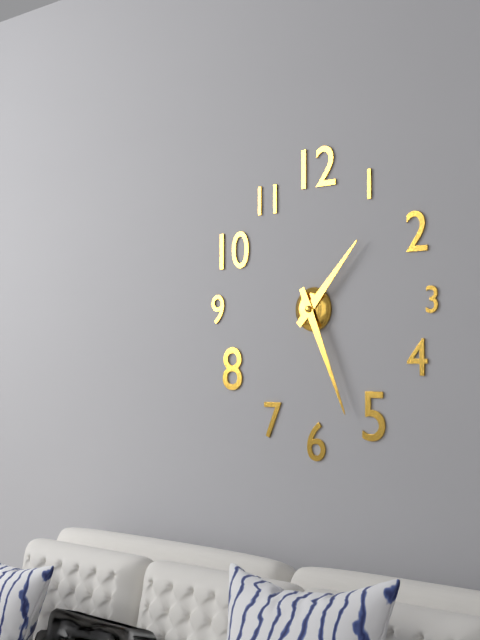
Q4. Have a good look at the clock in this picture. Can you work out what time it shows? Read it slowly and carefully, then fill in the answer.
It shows 1:26
